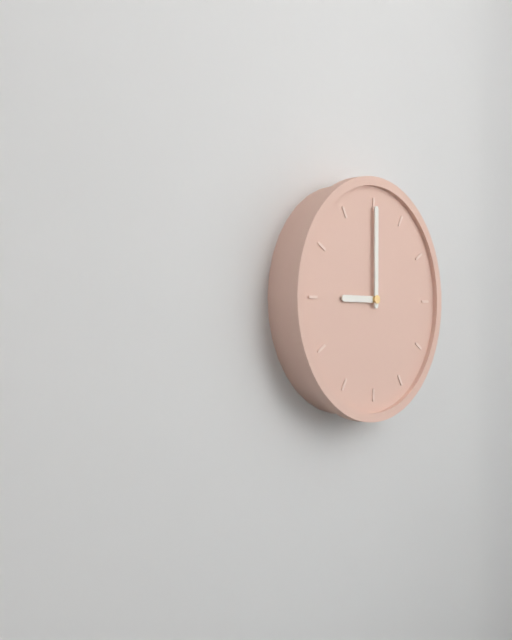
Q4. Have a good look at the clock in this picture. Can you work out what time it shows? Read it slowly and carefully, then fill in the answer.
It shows 9:00
